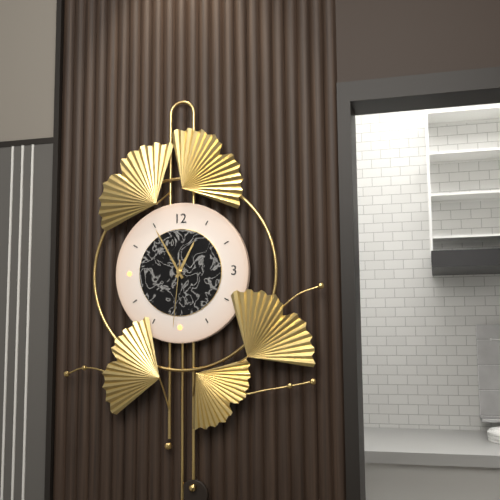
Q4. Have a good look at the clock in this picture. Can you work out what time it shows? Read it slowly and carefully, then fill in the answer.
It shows 12:55:31
